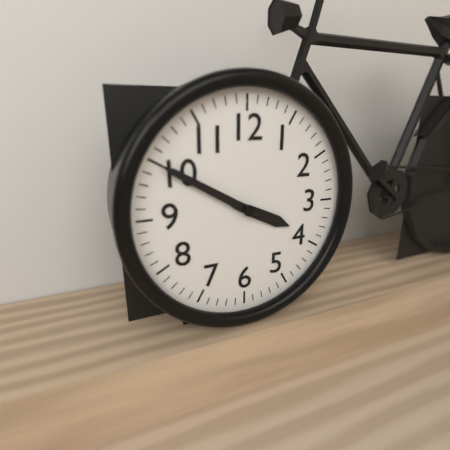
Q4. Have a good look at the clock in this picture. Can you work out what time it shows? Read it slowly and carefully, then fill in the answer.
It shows 3:50
